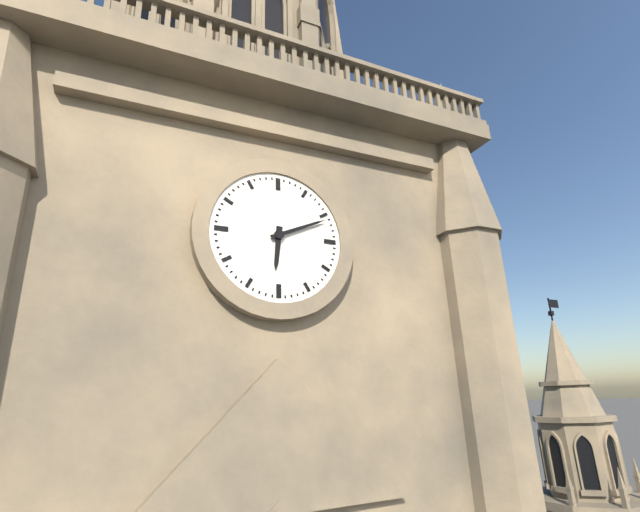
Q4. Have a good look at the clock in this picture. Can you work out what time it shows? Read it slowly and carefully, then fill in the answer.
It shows 6:11
